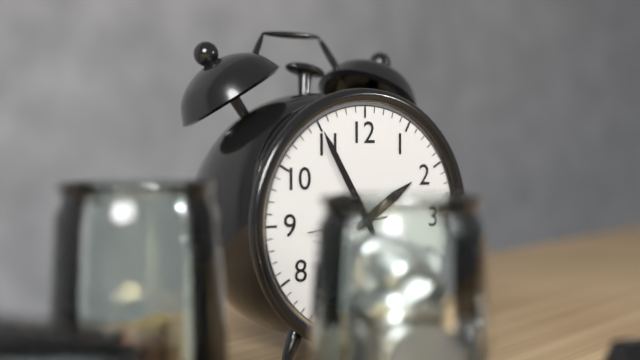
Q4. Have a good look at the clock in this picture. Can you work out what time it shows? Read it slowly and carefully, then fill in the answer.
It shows 1:55:44
